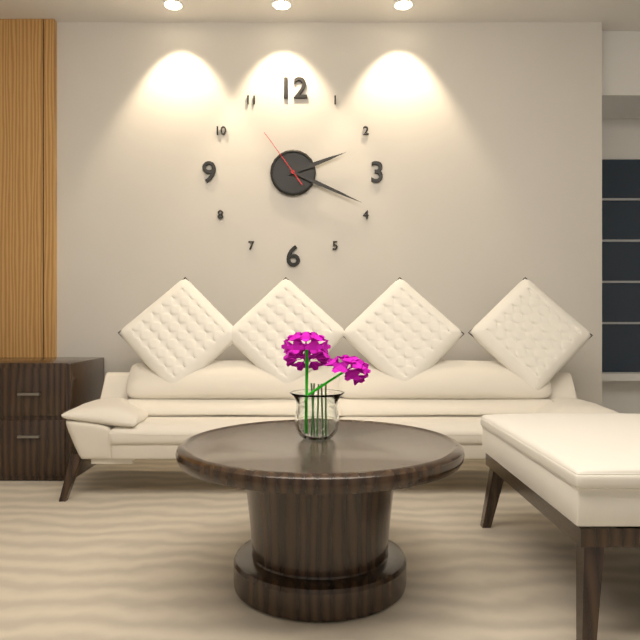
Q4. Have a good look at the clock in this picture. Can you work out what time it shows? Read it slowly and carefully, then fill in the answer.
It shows 2:19:54
